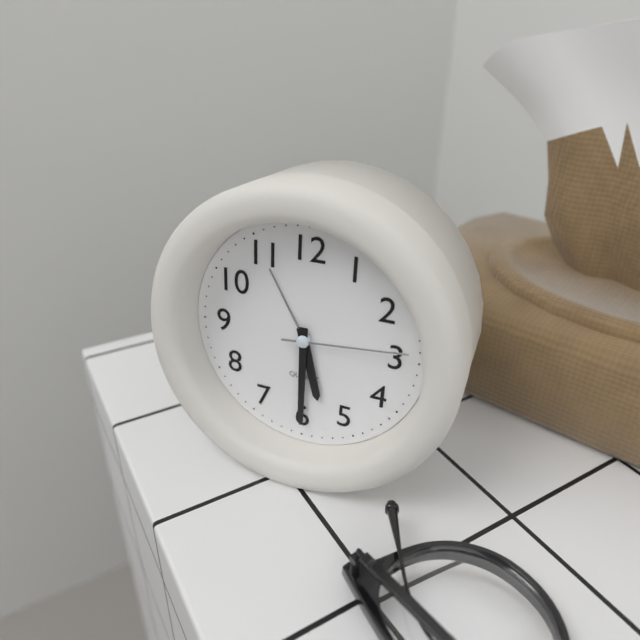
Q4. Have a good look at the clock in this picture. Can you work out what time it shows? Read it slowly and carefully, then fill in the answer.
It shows 5:30:14
